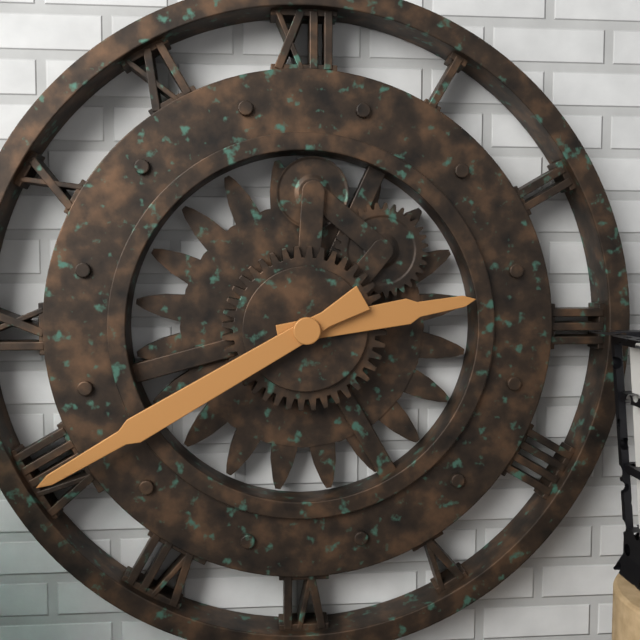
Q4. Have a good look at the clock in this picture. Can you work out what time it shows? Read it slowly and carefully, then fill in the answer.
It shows 2:40
